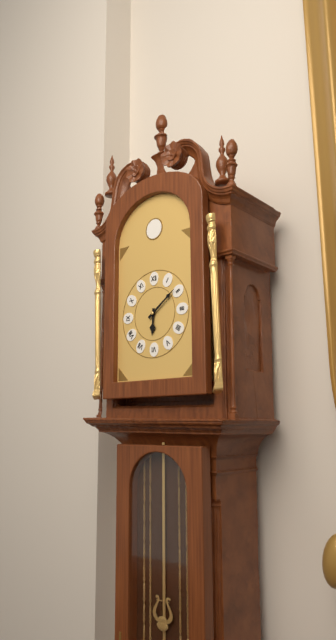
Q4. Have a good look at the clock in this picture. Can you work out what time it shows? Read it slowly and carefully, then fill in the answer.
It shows 6:09
